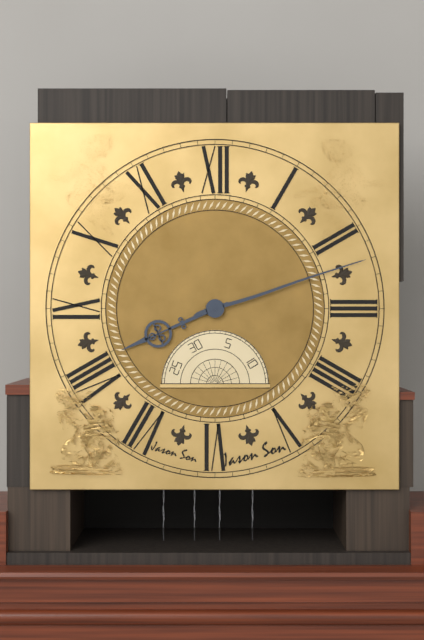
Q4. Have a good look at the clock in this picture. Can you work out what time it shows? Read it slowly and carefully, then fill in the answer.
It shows 8:12
